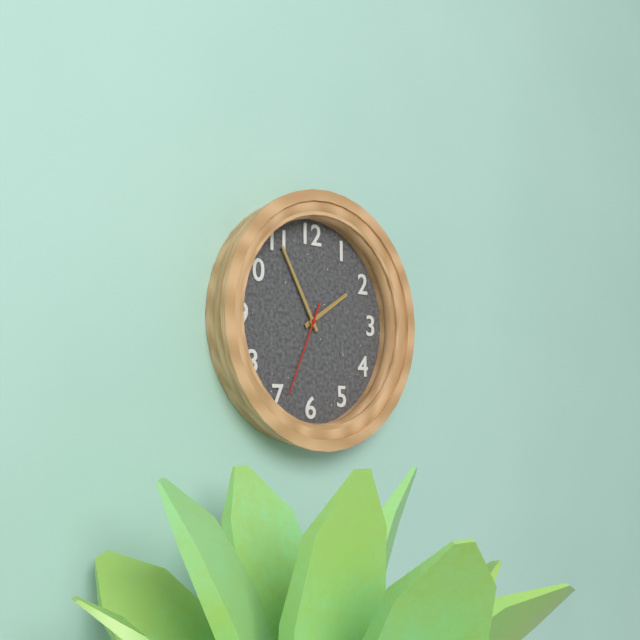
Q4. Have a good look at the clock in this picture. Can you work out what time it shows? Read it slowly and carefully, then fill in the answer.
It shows 1:55:34
